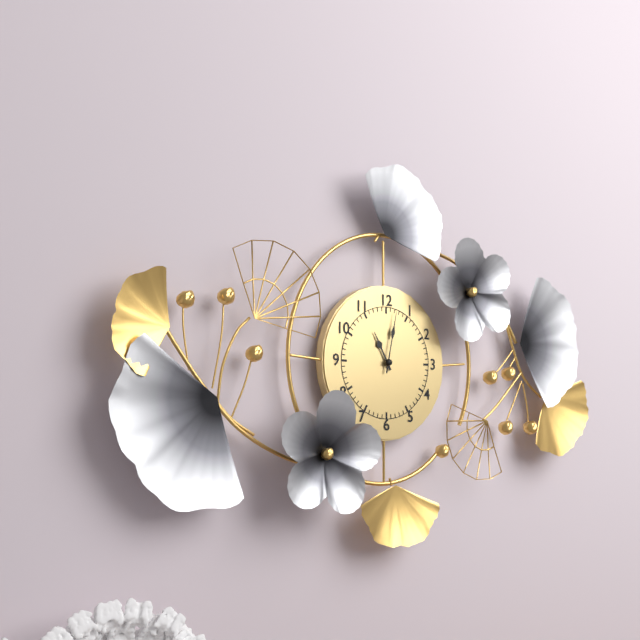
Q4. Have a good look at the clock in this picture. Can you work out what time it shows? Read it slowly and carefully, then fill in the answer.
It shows 11:02
